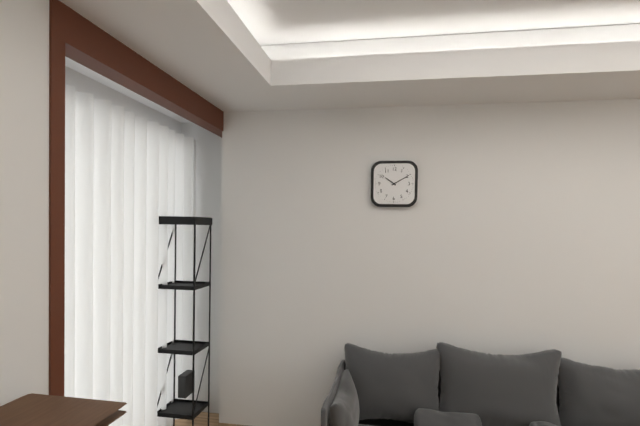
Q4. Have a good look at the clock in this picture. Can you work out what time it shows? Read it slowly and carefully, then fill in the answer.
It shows 10:10
